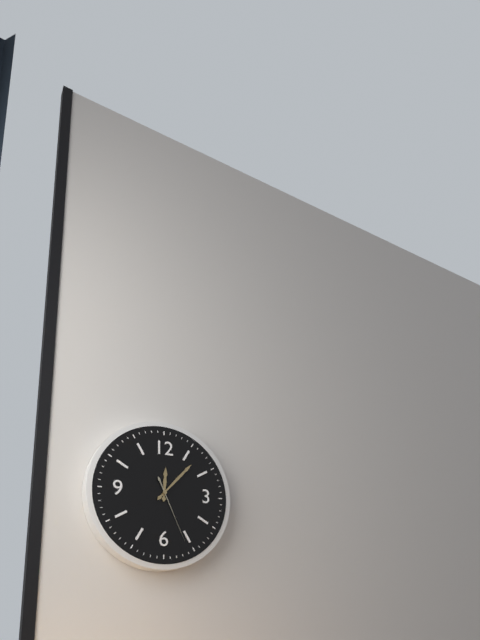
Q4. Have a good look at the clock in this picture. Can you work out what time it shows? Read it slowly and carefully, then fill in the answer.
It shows 12:07:26
